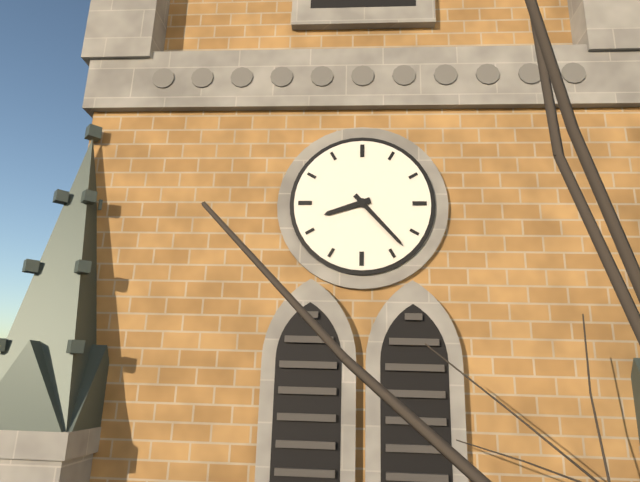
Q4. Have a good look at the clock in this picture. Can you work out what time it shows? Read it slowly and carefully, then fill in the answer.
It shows 8:23
